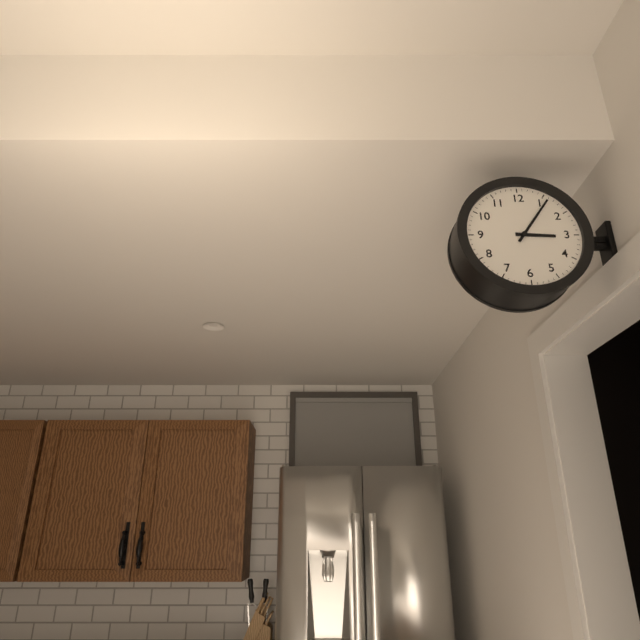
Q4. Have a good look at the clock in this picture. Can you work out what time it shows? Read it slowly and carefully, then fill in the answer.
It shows 3:06
